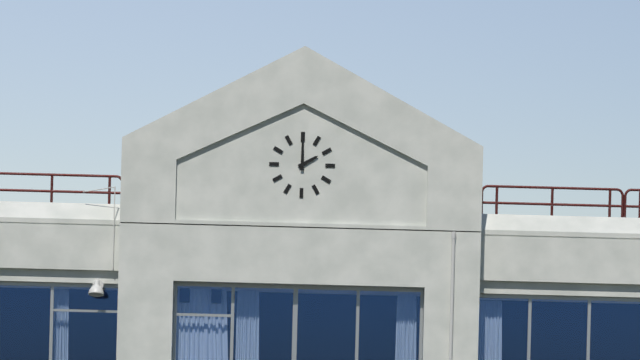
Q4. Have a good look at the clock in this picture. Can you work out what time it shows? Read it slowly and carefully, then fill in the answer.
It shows 2:00
